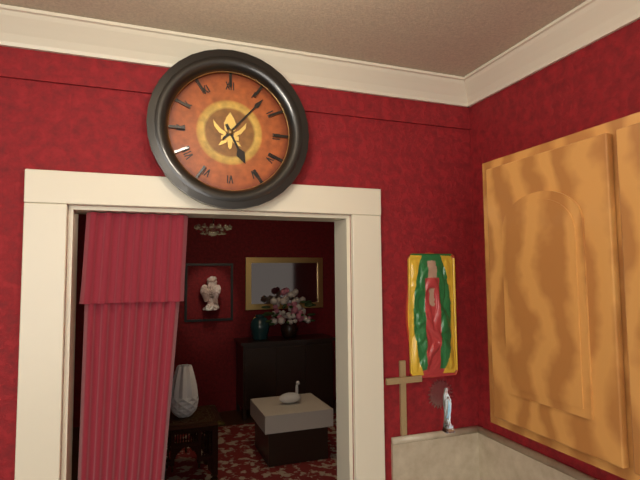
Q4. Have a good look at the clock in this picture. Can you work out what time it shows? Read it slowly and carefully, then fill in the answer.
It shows 5:07
